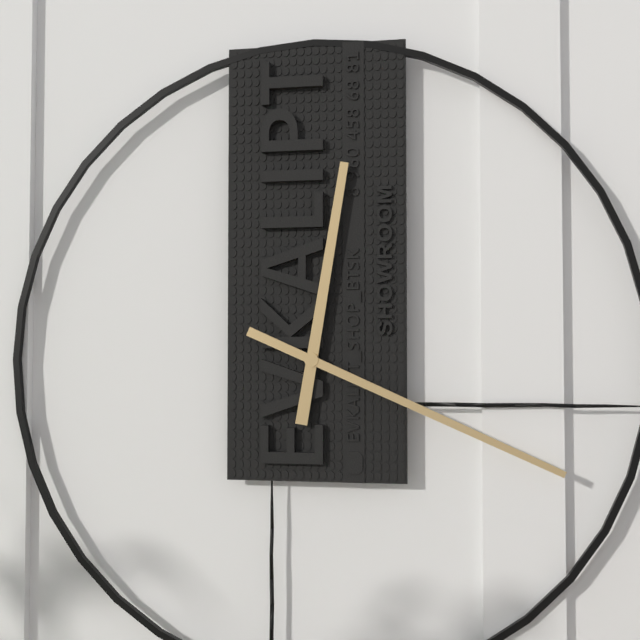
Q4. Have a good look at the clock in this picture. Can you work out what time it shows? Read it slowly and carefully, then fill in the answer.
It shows 12:19
